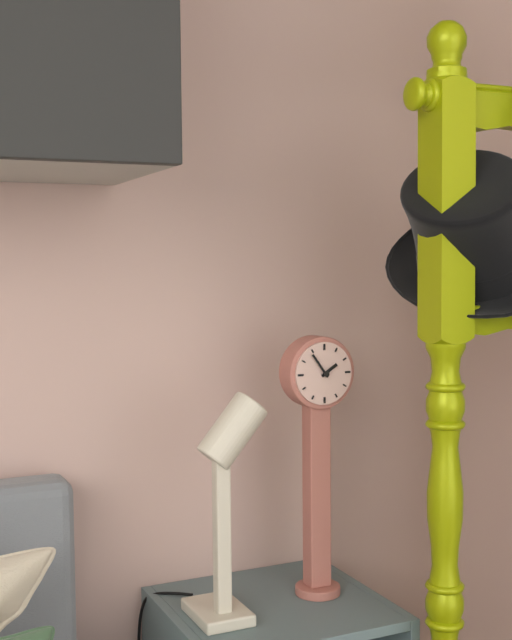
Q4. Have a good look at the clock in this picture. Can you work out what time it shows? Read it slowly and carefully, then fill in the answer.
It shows 1:54
